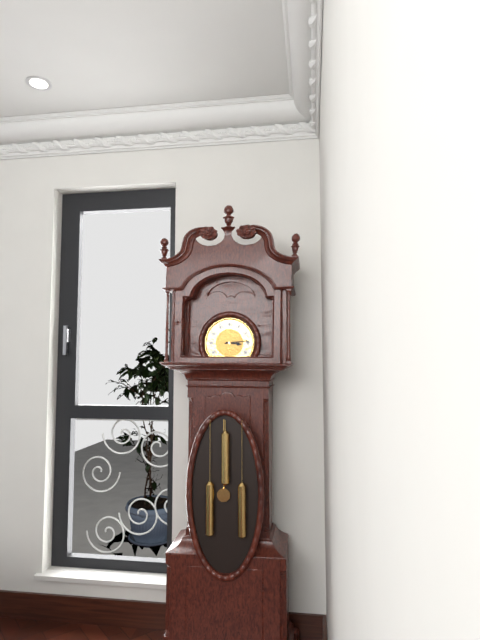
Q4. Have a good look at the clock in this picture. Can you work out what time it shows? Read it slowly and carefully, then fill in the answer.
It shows 3:14
